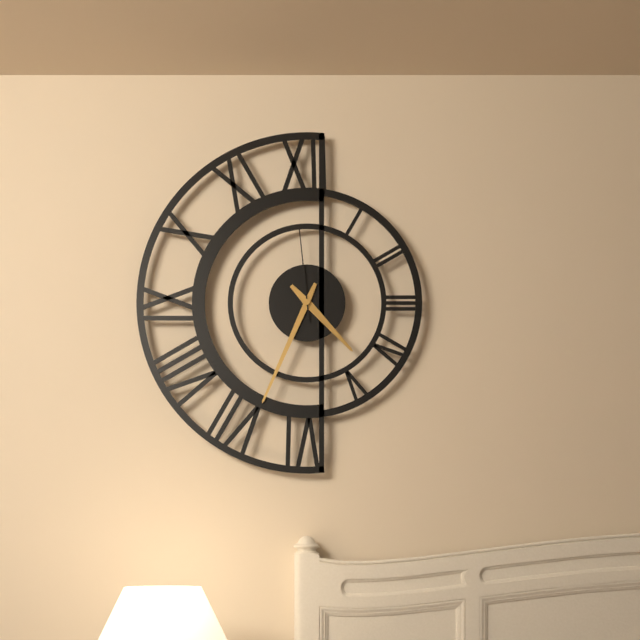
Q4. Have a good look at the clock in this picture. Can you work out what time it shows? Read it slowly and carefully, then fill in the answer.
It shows 4:34:59
